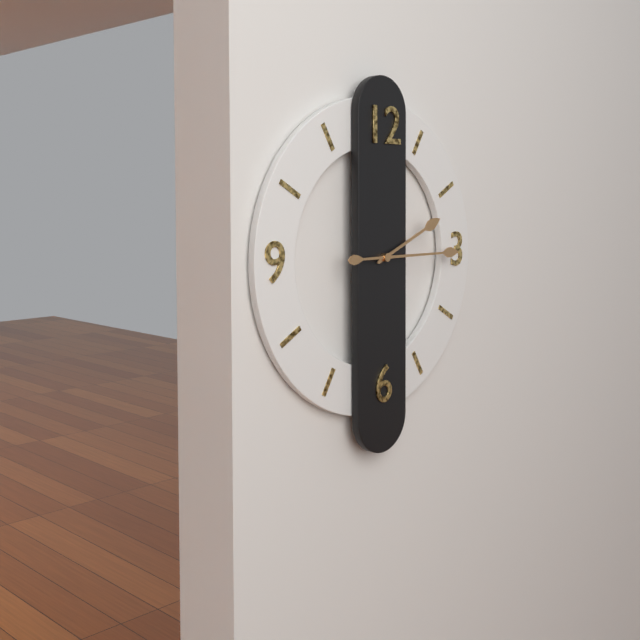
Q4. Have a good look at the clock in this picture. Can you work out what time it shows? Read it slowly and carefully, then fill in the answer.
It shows 2:15
